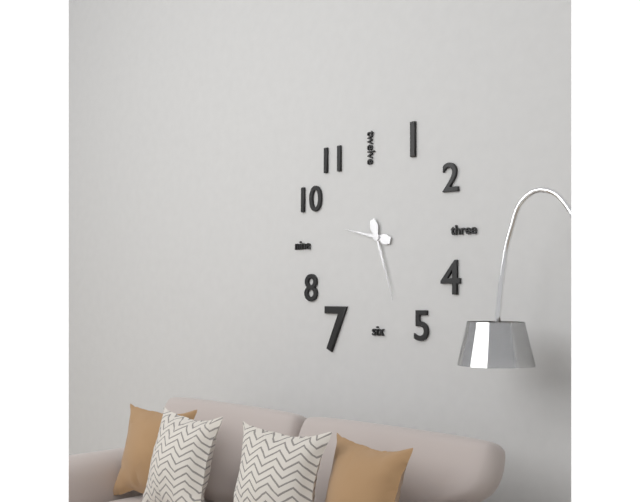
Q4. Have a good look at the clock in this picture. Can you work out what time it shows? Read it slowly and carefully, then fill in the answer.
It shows 9:27
